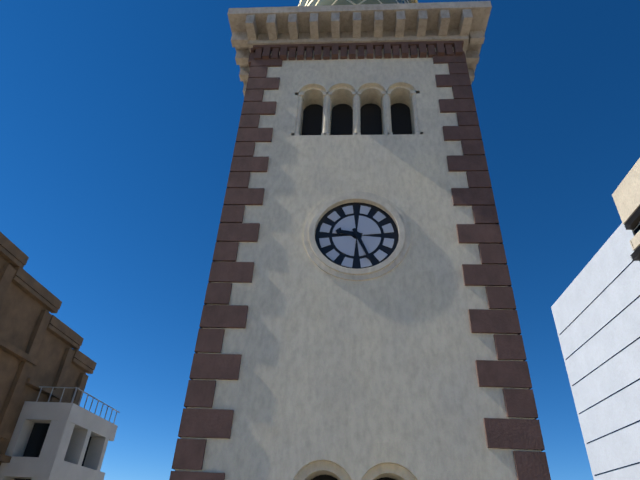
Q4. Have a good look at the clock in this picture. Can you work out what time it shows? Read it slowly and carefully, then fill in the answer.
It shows 9:26
